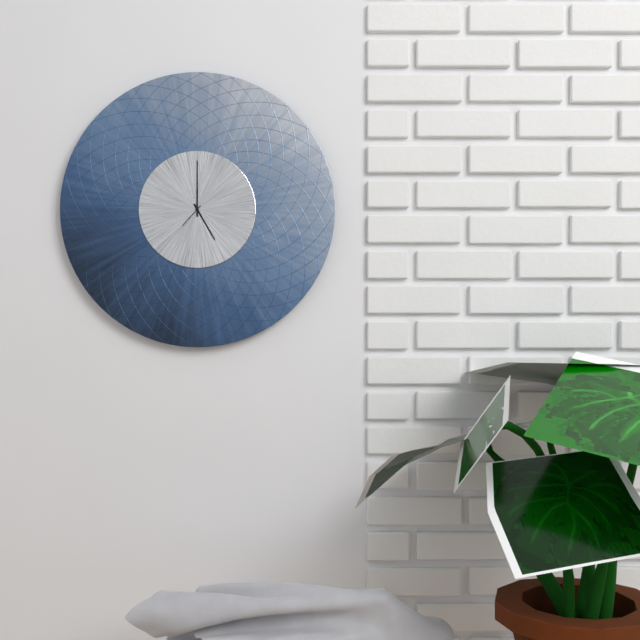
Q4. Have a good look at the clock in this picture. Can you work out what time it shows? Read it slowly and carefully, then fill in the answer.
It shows 5:00
